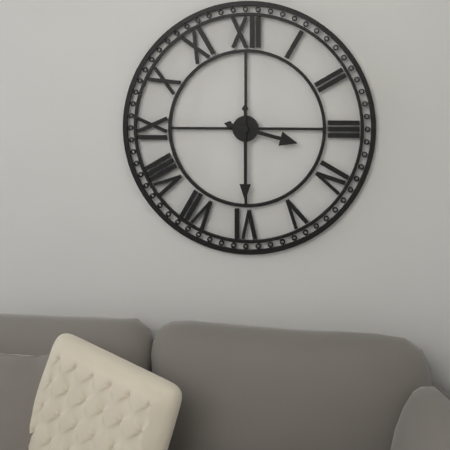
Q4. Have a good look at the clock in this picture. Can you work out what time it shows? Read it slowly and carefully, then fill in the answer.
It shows 3:30
